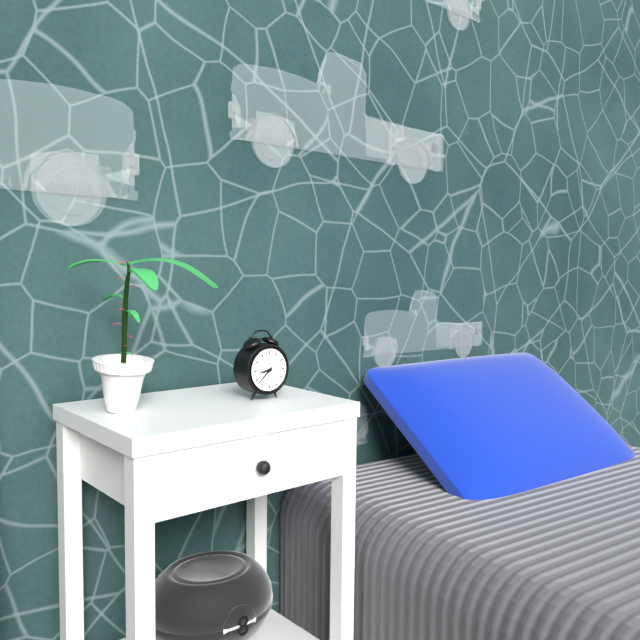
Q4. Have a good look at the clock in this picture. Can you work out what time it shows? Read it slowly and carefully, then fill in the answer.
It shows 8:38
